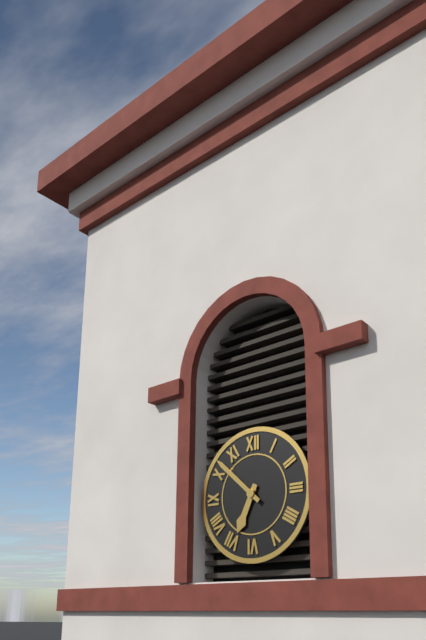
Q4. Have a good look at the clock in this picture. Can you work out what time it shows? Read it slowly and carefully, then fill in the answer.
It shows 6:52
